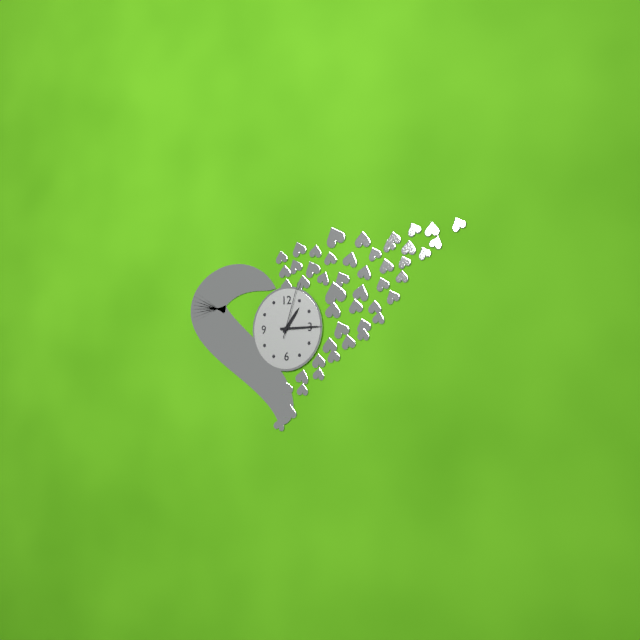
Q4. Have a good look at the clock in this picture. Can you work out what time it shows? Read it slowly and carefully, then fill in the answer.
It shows 1:15:03
